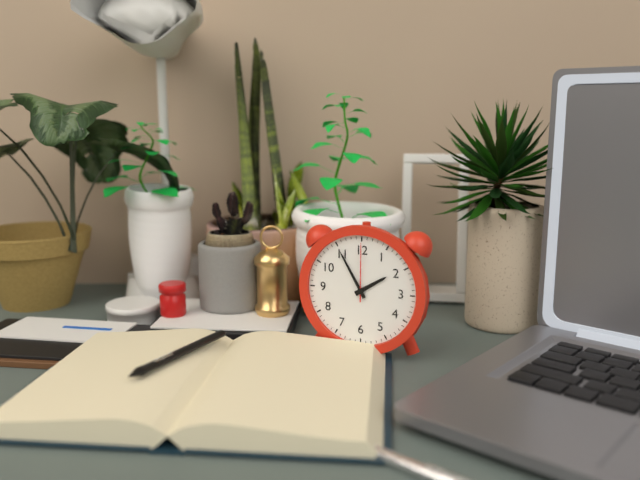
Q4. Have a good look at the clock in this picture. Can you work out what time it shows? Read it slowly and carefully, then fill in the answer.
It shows 1:55:00
